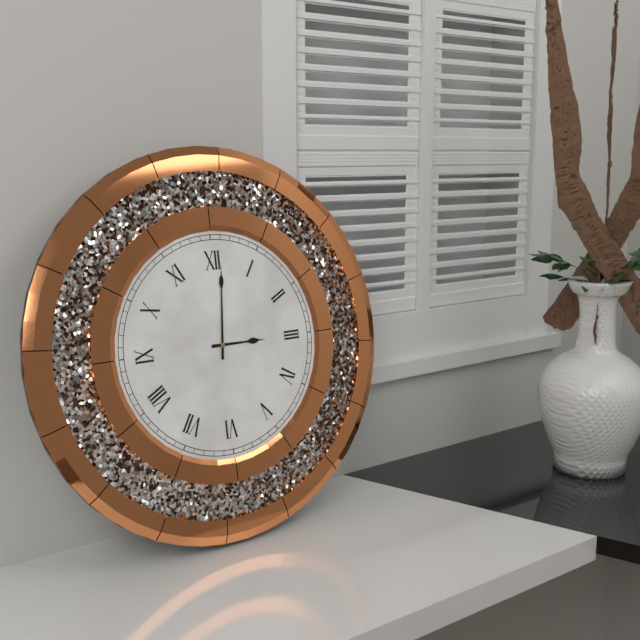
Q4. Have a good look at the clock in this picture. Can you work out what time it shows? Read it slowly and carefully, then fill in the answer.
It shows 3:01
